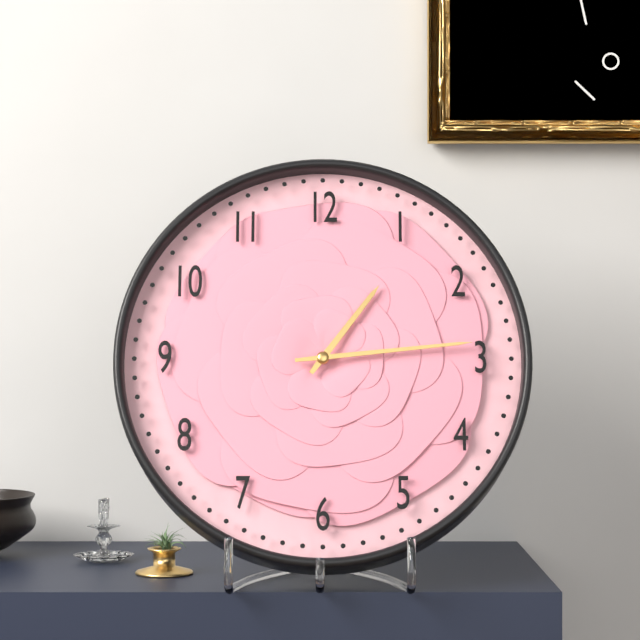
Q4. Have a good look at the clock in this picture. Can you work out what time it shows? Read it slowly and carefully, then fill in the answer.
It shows 1:14
